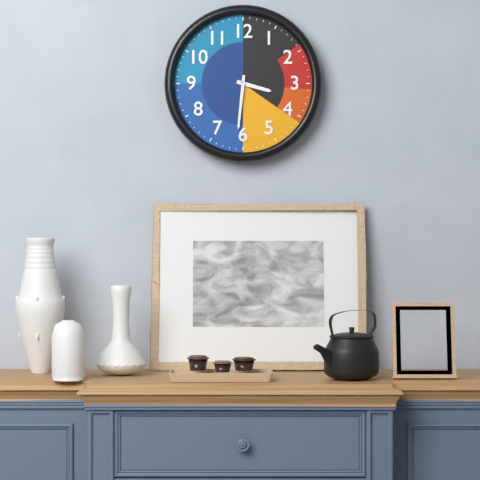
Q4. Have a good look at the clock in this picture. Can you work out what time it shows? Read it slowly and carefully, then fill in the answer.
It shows 3:31
